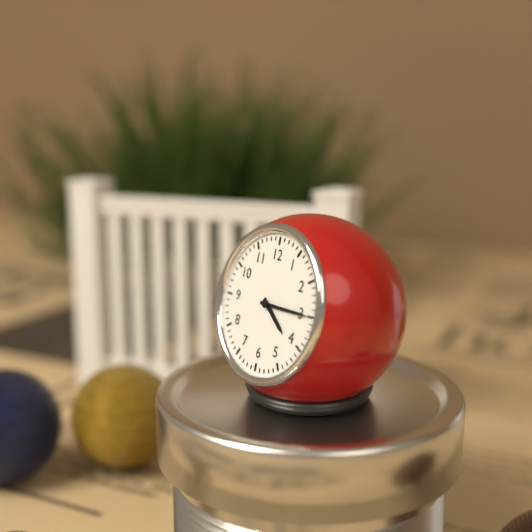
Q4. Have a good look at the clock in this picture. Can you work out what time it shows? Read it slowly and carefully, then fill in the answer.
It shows 4:15
